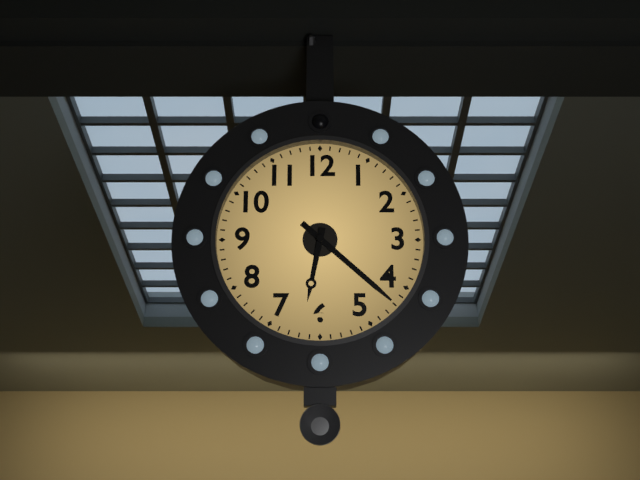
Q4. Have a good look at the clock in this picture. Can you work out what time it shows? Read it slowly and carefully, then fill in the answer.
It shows 6:22
